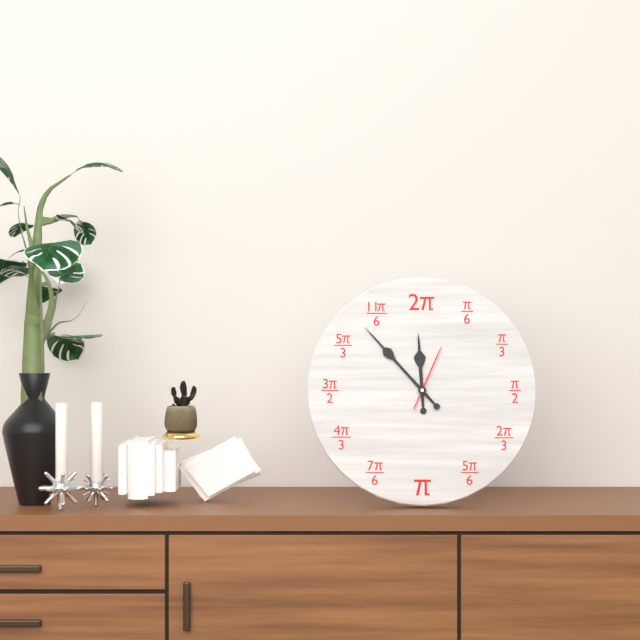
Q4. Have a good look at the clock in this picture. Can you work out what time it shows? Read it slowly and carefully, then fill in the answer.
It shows 11:53:04
